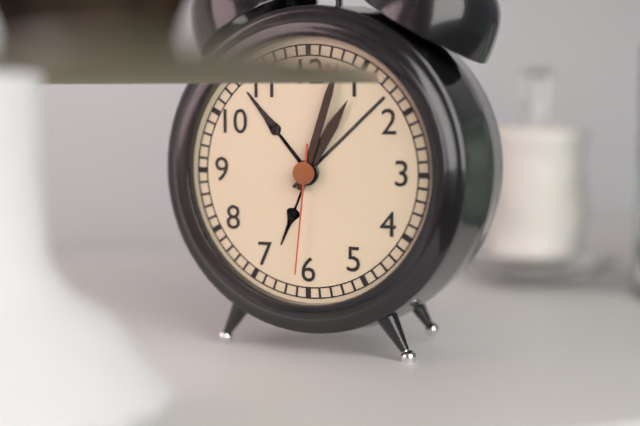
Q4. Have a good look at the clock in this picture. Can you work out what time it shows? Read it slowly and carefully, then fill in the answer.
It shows 1:03:31
